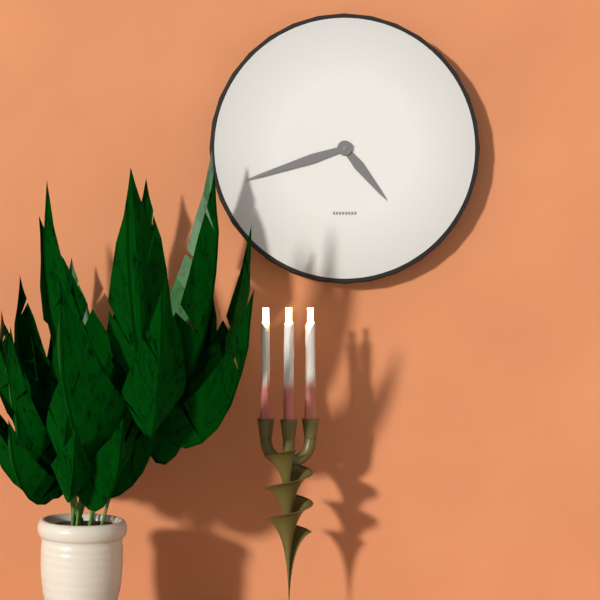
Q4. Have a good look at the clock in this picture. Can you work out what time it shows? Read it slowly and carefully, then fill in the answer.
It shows 4:42
